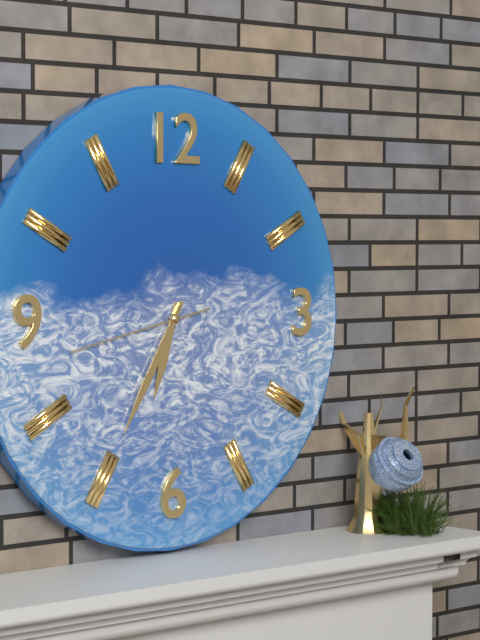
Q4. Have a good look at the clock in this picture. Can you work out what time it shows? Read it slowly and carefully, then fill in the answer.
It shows 6:35:43
